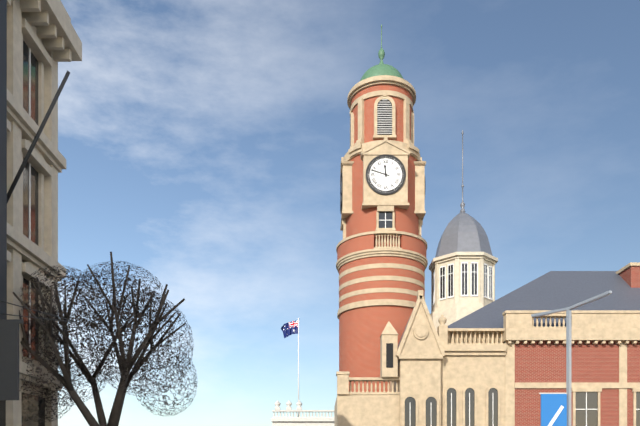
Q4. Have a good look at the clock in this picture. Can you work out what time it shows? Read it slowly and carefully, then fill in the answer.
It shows 11:48
